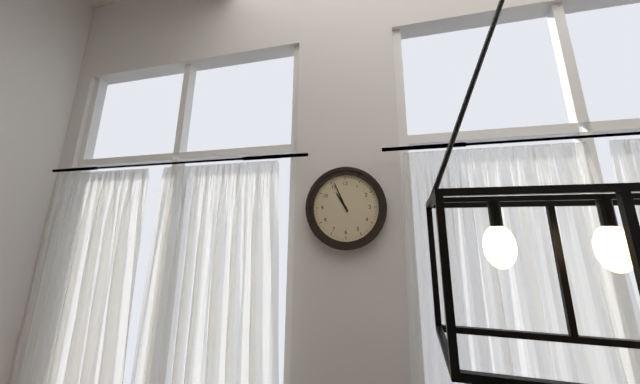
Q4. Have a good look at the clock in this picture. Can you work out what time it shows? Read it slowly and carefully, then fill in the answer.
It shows 10:56
